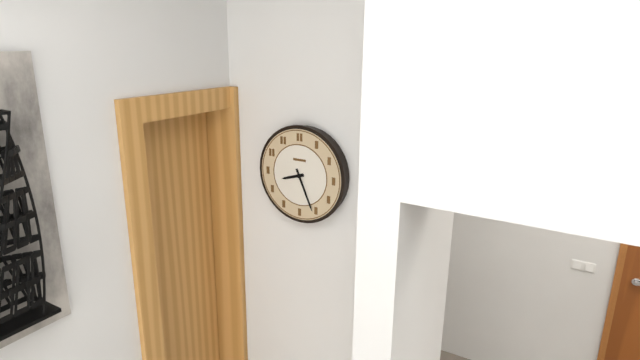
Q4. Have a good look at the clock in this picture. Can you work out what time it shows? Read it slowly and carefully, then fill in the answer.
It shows 8:26
